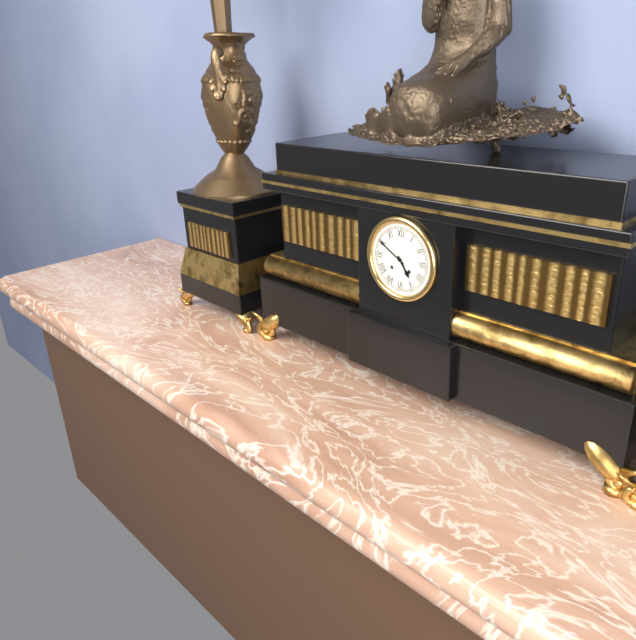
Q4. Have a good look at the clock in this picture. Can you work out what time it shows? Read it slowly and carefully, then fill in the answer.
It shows 4:50
